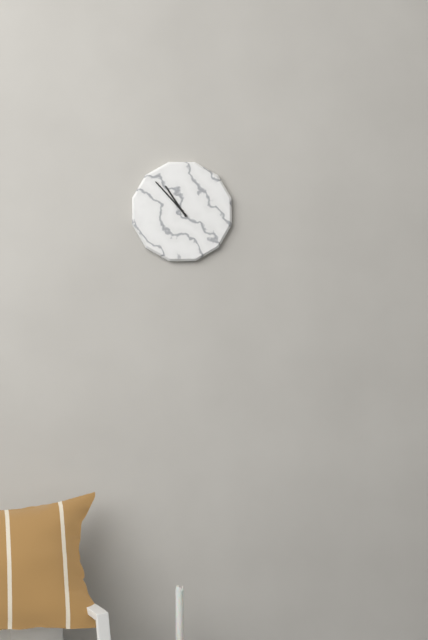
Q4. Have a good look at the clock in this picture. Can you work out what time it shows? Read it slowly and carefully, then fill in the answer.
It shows 10:53
